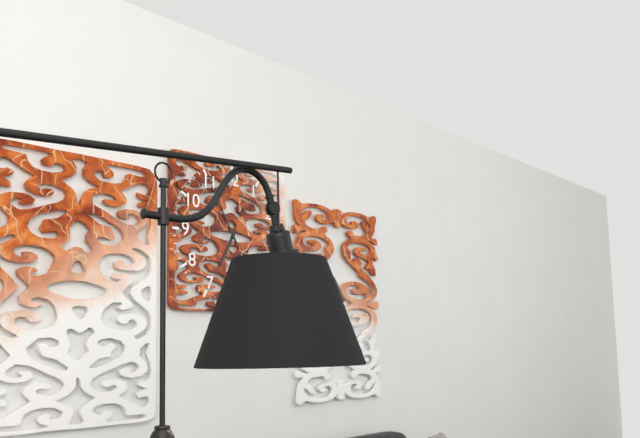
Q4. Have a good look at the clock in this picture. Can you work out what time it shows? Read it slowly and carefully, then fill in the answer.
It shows 6:55
